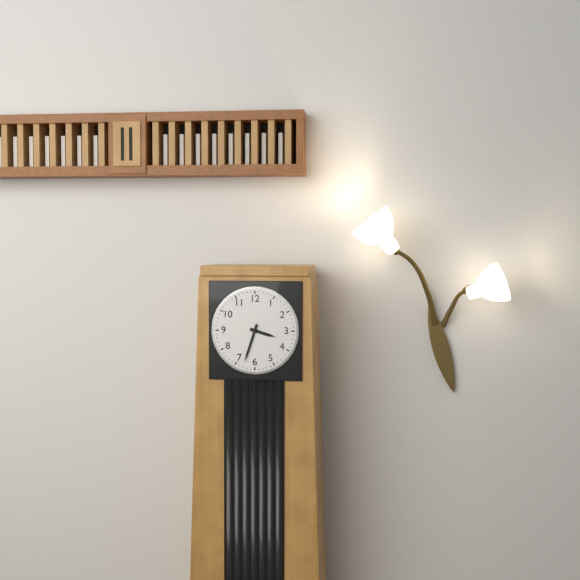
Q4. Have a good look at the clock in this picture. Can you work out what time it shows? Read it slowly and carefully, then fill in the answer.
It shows 3:33
